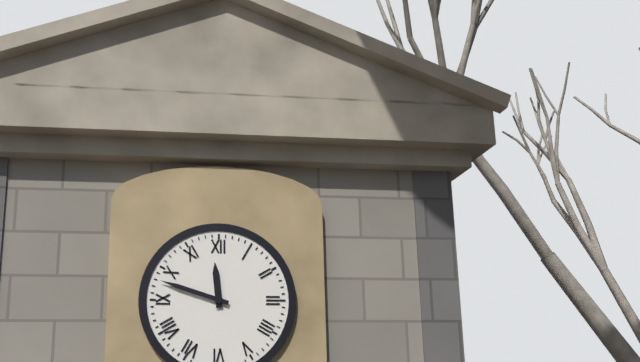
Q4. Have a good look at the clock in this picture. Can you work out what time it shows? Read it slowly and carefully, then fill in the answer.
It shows 11:48
